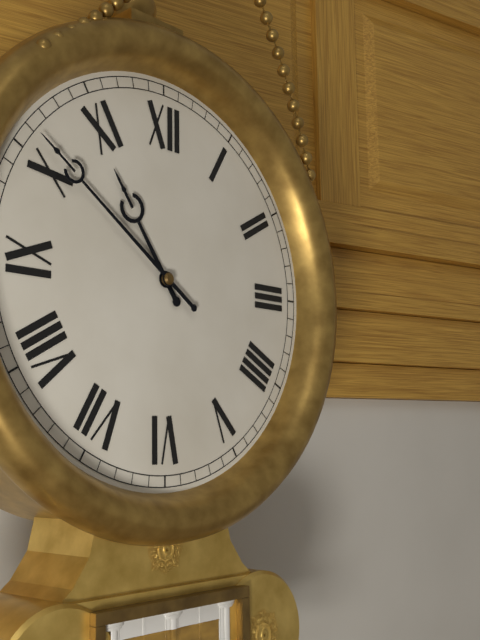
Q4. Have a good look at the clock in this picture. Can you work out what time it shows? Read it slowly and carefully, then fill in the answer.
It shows 10:51
